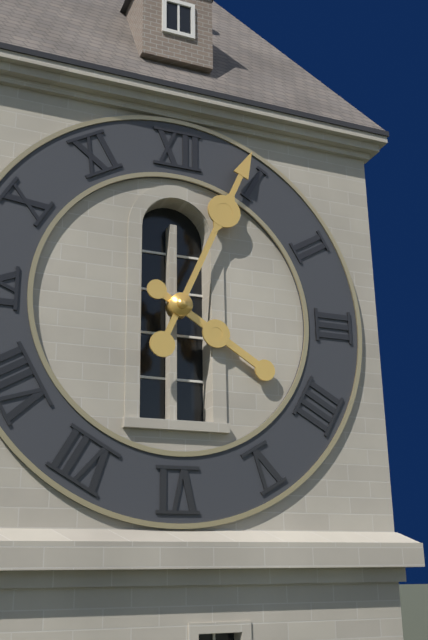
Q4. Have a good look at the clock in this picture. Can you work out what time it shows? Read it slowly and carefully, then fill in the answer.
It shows 4:04
